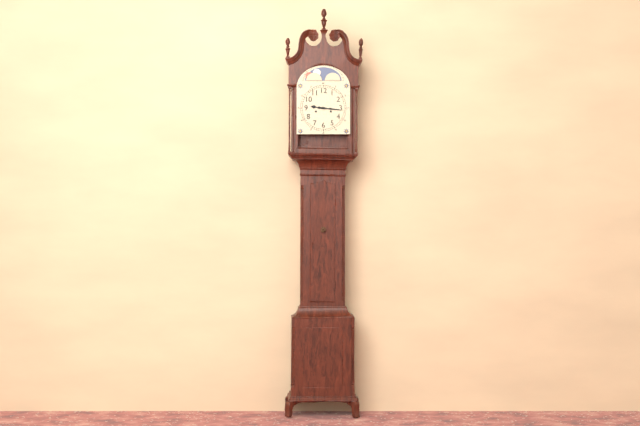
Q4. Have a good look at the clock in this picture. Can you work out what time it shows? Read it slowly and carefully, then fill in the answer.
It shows 9:16
